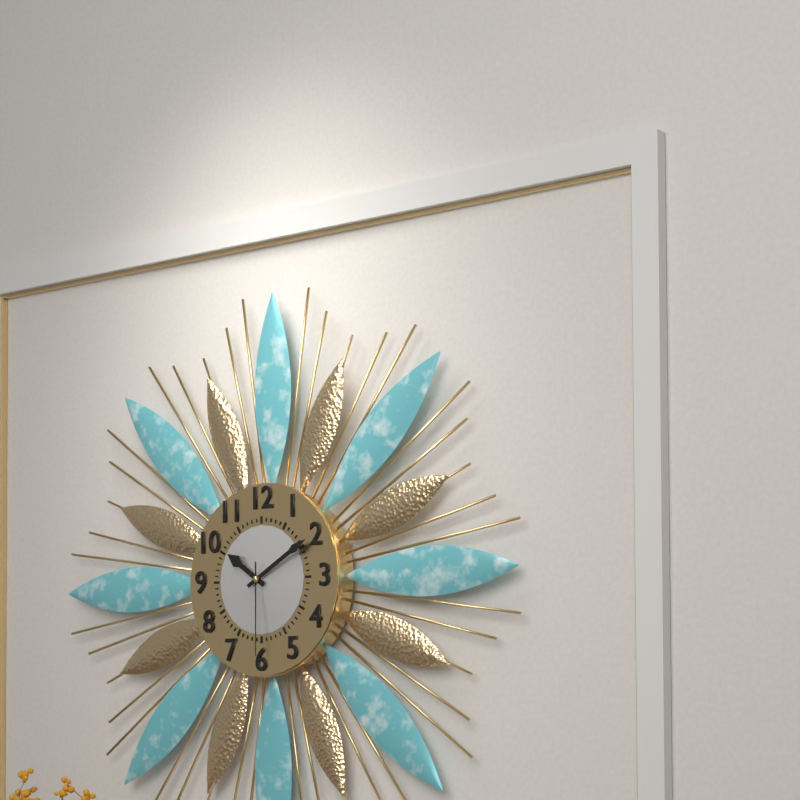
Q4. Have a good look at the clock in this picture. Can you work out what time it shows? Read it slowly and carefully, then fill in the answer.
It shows 10:10:30
